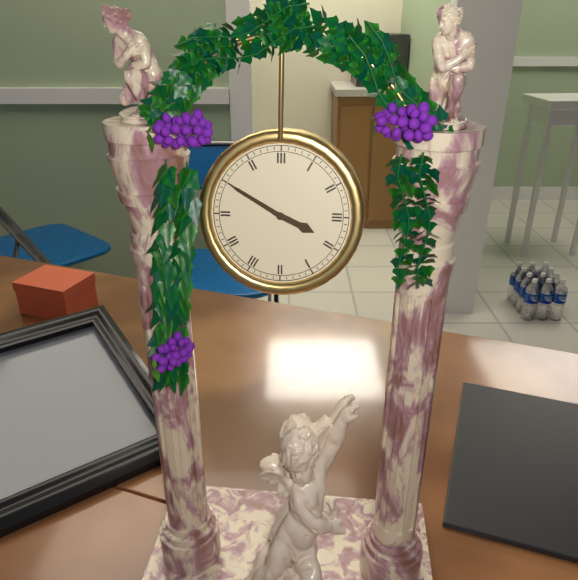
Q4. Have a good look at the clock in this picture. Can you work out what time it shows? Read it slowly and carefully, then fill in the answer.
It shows 3:50
